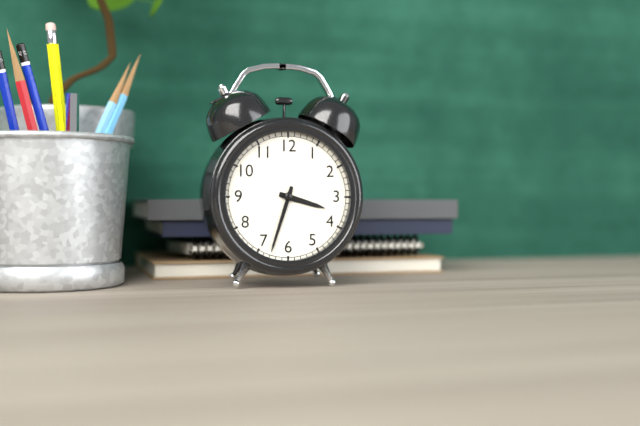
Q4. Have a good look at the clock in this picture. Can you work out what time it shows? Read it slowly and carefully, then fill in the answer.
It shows 3:33
